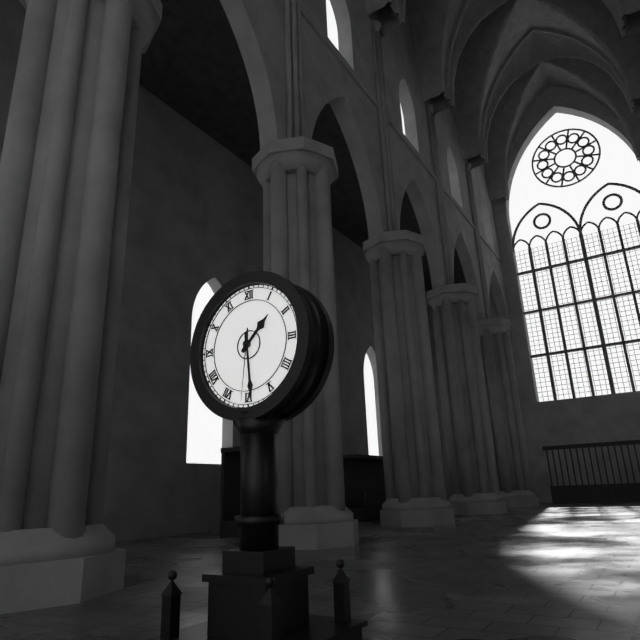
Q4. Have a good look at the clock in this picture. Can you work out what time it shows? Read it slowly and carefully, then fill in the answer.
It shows 1:29:31
